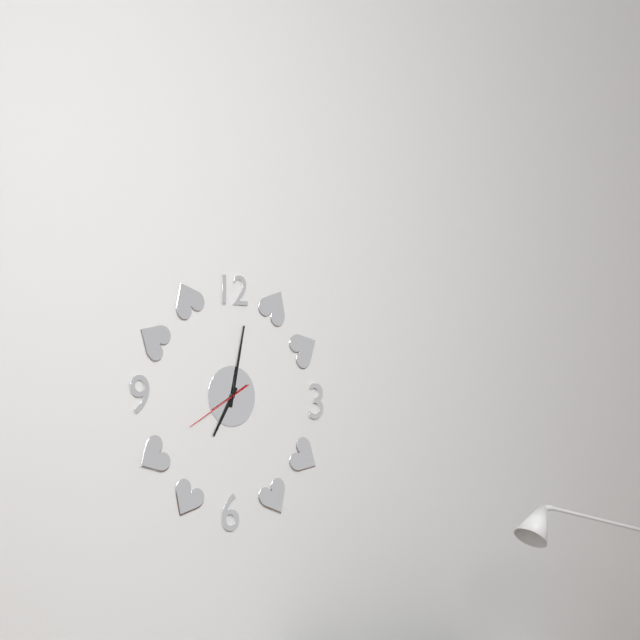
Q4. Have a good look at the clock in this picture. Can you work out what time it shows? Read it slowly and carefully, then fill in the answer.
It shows 7:02:40
